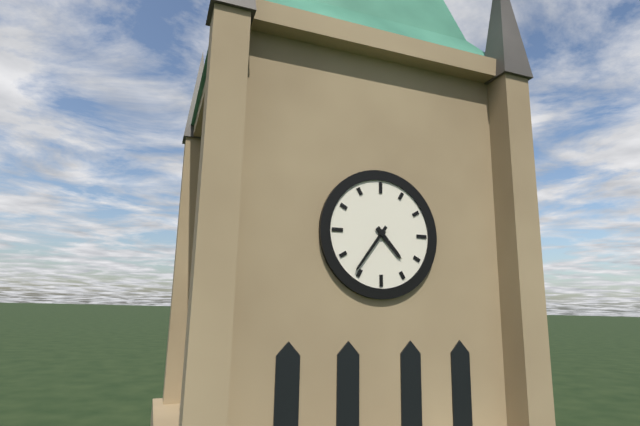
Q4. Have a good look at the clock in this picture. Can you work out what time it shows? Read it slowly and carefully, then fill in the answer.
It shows 4:36
